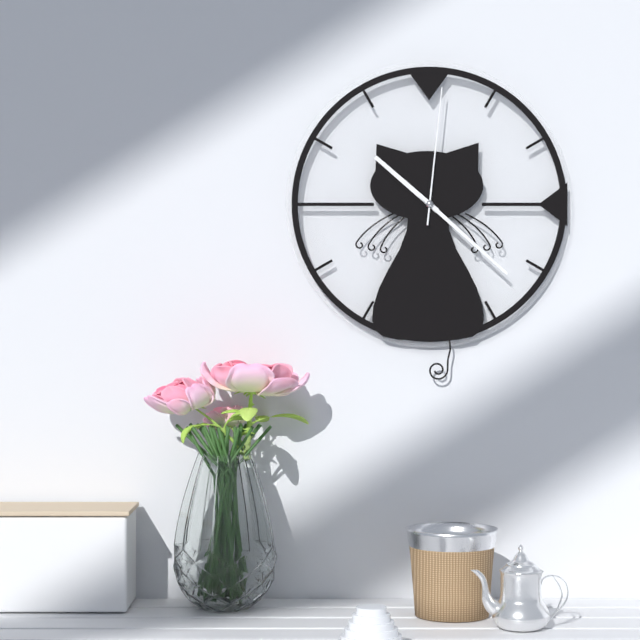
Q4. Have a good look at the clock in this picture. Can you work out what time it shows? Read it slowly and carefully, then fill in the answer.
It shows 10:22:01
